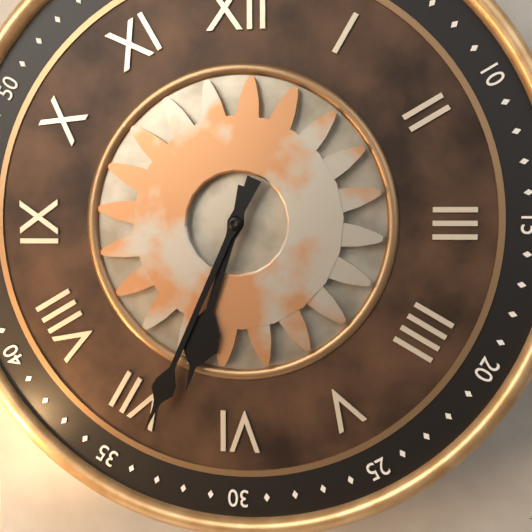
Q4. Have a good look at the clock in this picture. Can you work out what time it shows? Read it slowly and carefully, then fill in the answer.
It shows 6:34
